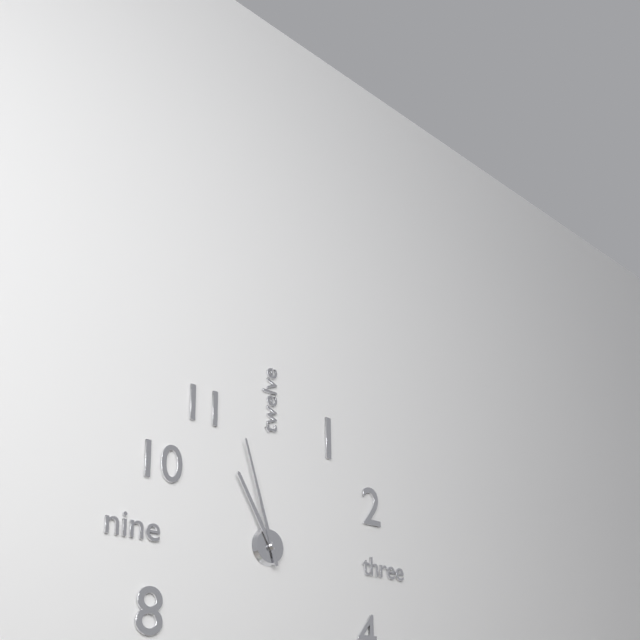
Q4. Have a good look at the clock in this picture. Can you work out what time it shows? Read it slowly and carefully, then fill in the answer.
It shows 10:57
